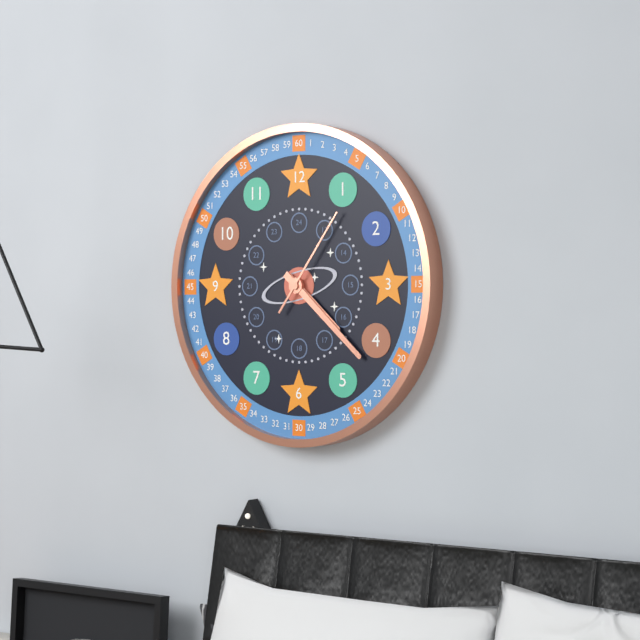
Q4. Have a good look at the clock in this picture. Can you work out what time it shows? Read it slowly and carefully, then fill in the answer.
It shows 4:22:06
